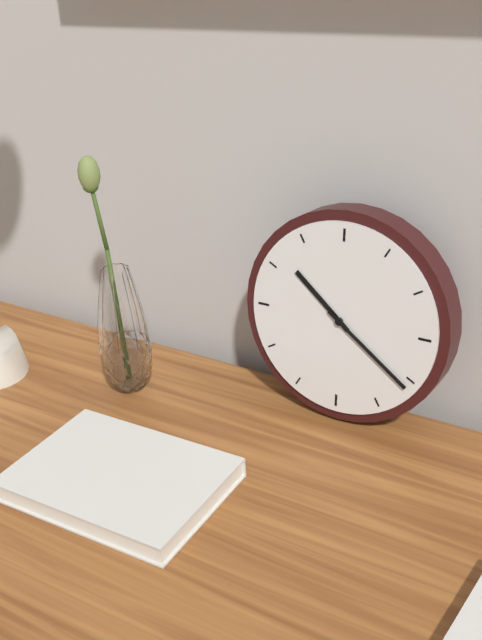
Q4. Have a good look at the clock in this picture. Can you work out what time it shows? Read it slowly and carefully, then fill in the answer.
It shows 10:21
